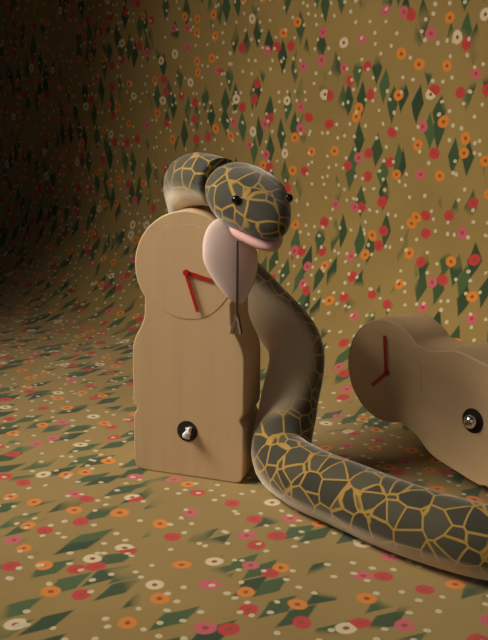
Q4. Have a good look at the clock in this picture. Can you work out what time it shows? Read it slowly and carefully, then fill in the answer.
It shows 3:27
